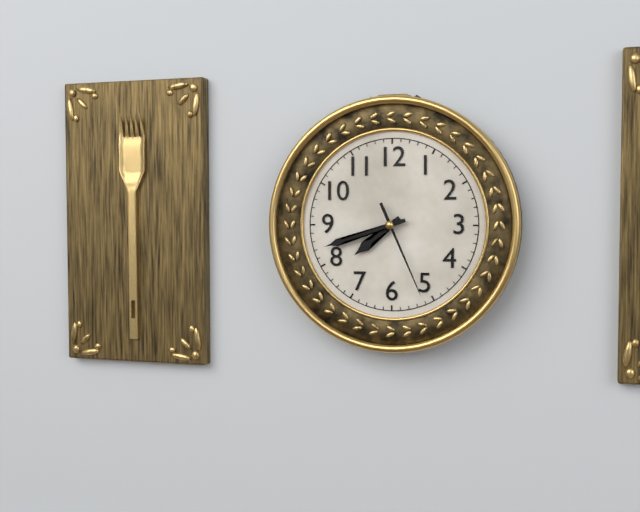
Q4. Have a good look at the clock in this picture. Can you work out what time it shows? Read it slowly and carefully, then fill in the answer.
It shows 7:42:26
